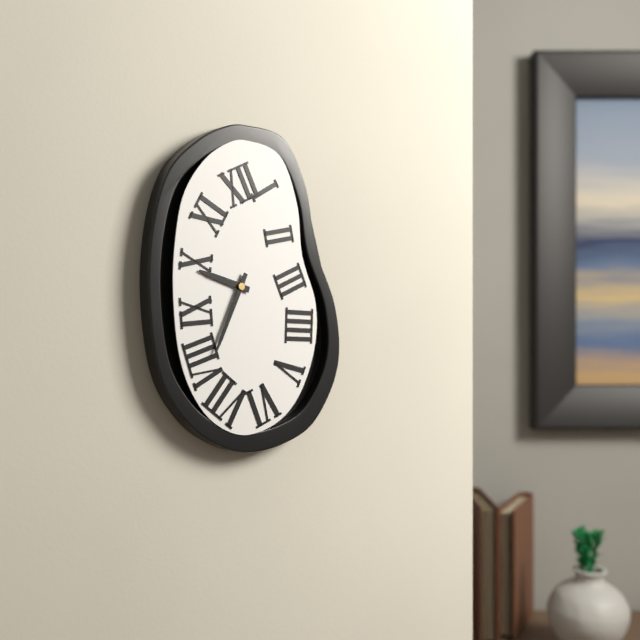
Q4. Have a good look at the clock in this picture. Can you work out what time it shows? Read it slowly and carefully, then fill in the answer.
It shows 9:34
